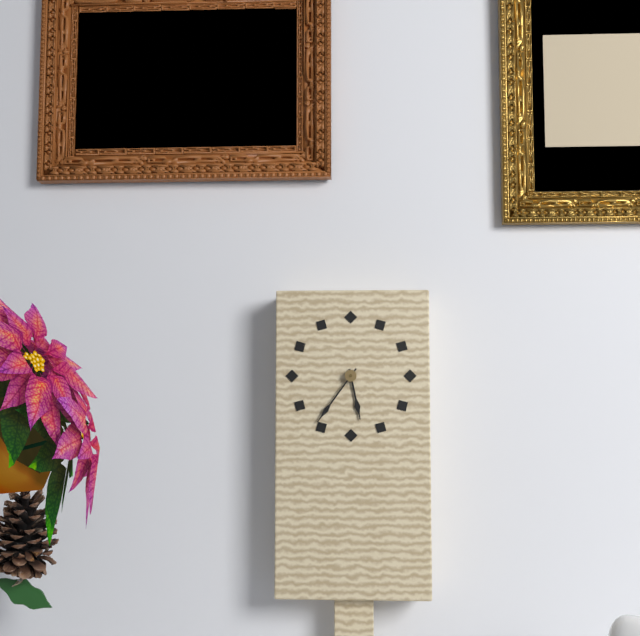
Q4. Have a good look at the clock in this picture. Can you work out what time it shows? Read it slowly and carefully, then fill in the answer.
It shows 5:36
